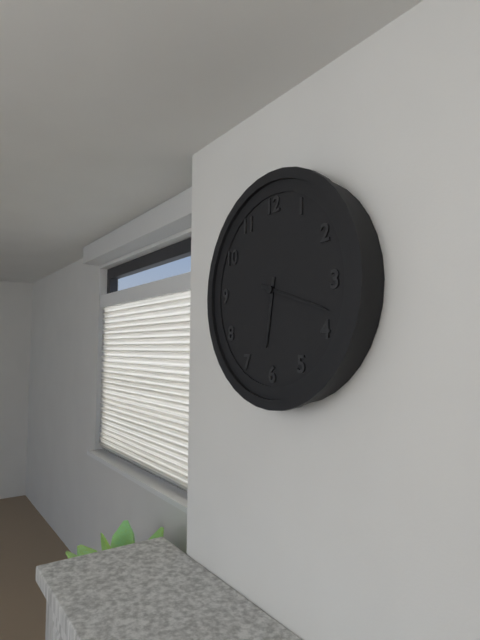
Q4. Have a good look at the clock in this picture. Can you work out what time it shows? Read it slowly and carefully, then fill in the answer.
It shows 6:18
